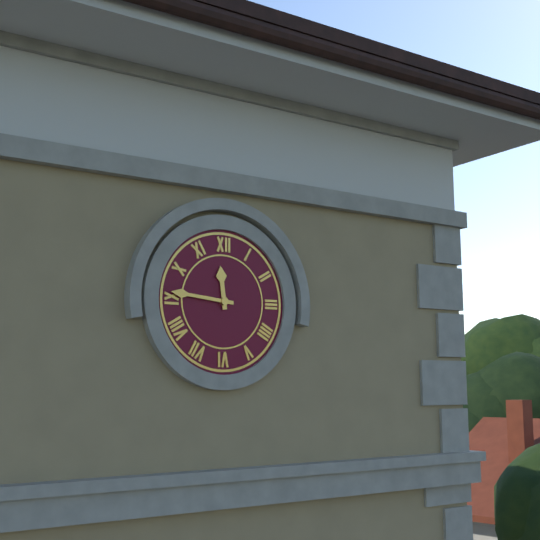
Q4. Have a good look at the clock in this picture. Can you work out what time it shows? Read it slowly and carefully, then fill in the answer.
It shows 11:46
